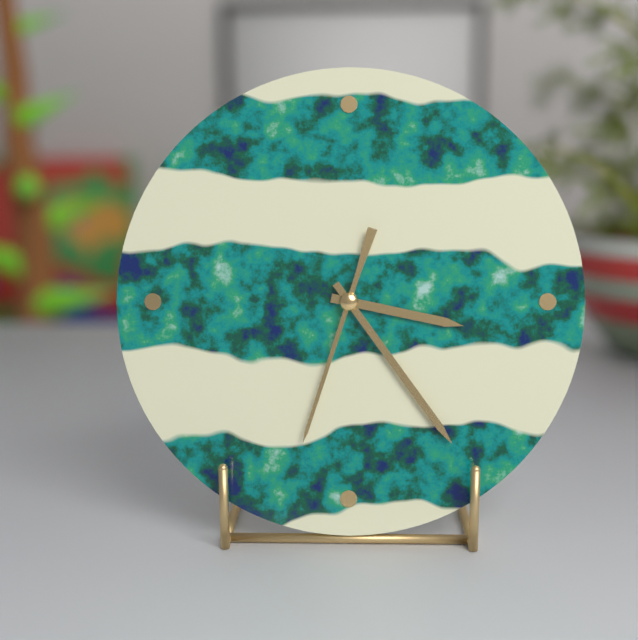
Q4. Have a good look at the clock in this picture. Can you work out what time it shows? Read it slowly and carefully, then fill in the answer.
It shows 3:24:33
